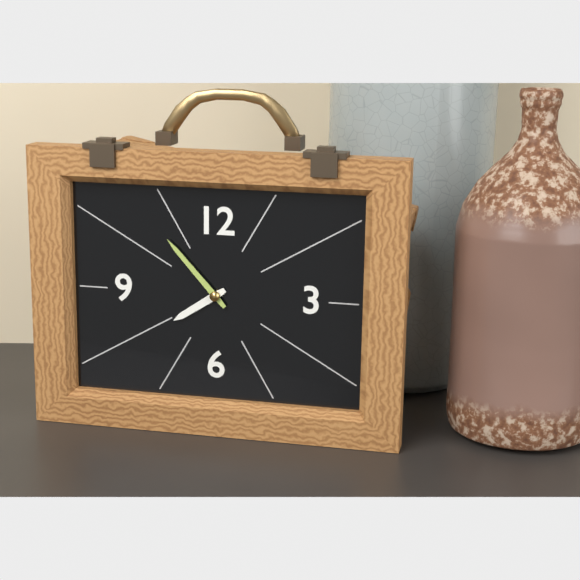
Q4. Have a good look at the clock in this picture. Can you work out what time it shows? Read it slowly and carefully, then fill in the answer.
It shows 7:53
